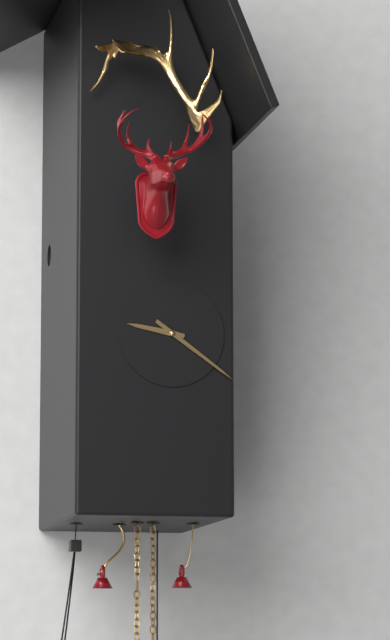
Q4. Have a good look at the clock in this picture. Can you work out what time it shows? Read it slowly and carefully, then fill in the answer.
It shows 9:21
